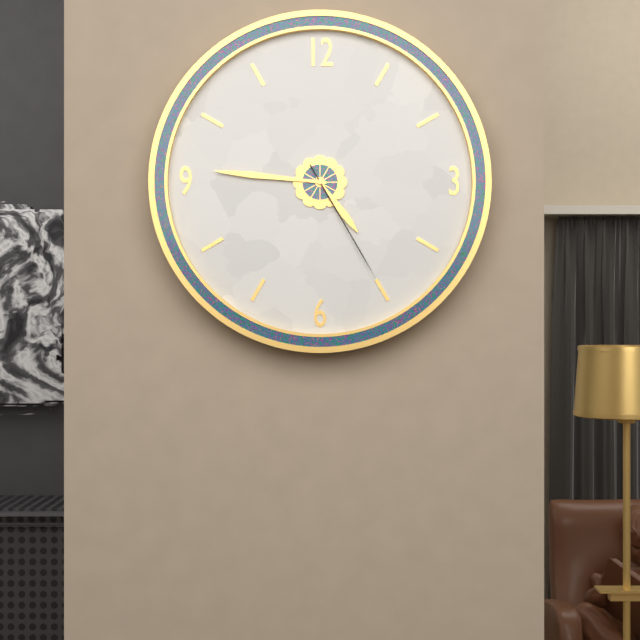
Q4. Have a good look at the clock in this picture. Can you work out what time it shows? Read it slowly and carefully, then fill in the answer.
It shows 4:46:25
